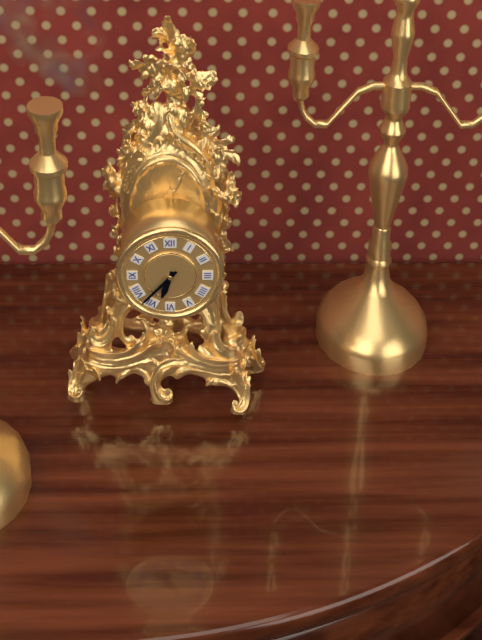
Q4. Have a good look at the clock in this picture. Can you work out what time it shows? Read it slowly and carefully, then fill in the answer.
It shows 6:37
